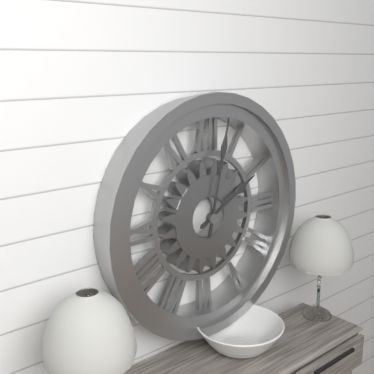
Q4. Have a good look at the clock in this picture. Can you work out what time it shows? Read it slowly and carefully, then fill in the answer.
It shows 2:02
